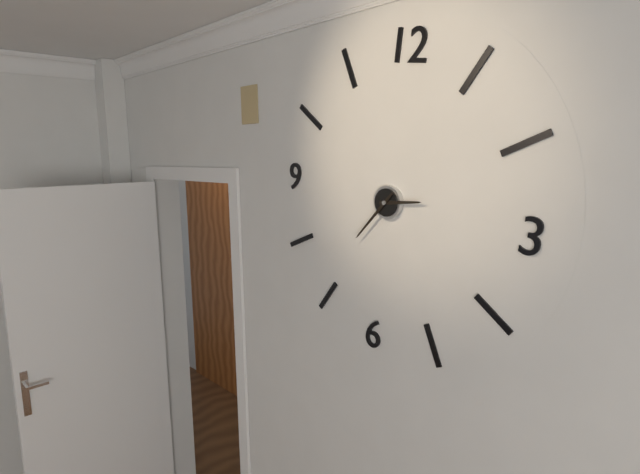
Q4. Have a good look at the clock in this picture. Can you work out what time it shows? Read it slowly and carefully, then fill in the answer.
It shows 2:36
